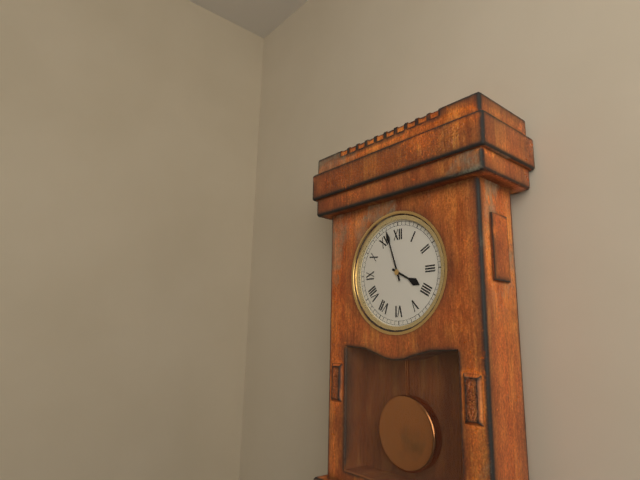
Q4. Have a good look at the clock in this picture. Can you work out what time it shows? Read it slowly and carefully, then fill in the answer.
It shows 3:57
